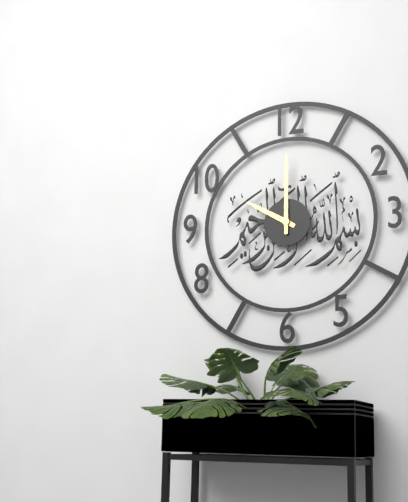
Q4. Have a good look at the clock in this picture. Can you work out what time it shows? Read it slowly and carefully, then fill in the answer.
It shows 10:00
